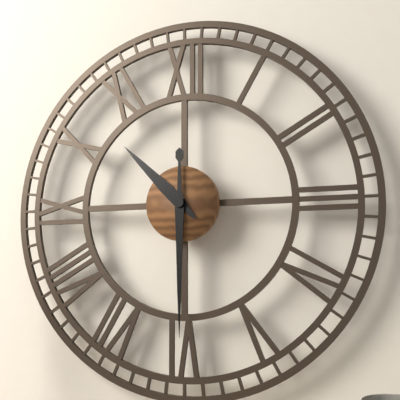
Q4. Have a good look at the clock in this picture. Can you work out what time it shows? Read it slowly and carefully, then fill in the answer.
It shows 10:30
